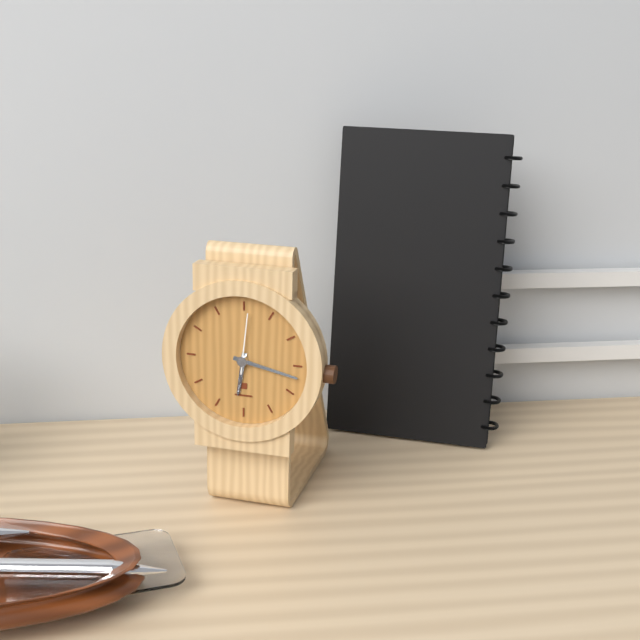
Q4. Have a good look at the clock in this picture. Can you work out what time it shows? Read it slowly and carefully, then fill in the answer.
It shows 6:17:01
